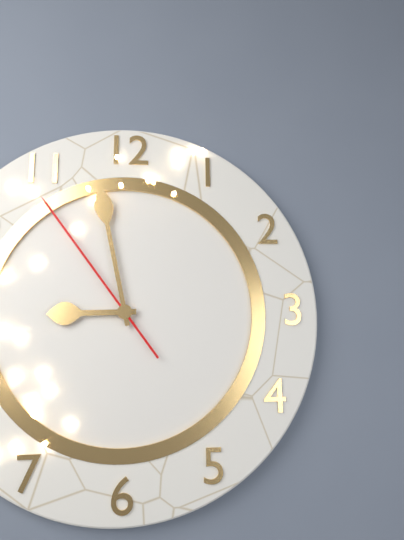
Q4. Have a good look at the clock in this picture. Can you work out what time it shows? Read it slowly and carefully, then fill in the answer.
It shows 8:58:54
